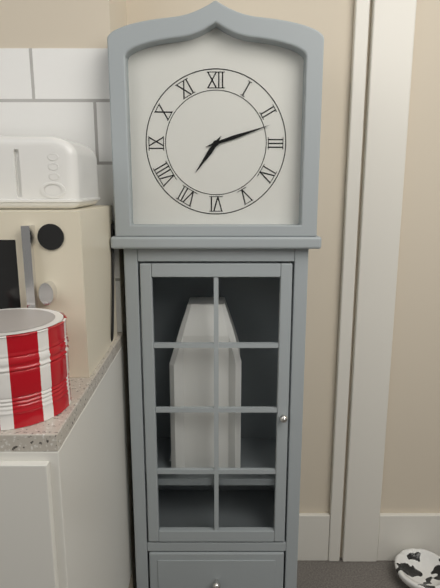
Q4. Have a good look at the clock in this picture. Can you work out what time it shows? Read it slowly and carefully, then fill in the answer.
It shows 7:12
